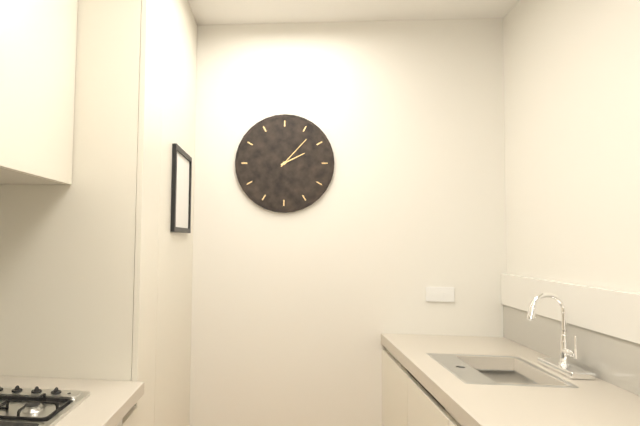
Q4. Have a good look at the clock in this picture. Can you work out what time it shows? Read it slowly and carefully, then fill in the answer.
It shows 2:07
